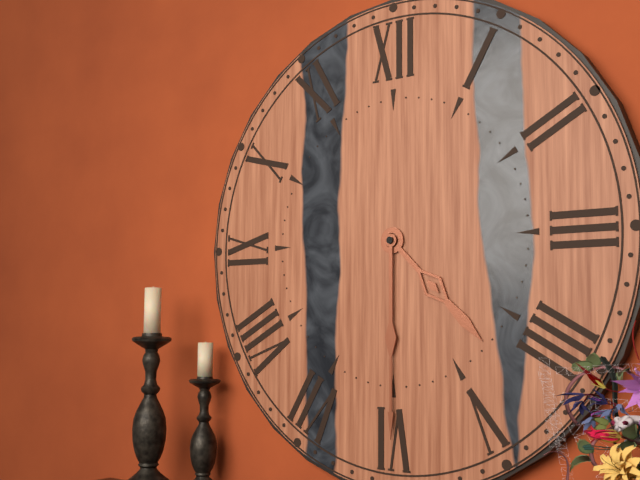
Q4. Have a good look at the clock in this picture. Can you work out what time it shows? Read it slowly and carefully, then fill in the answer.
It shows 4:30
